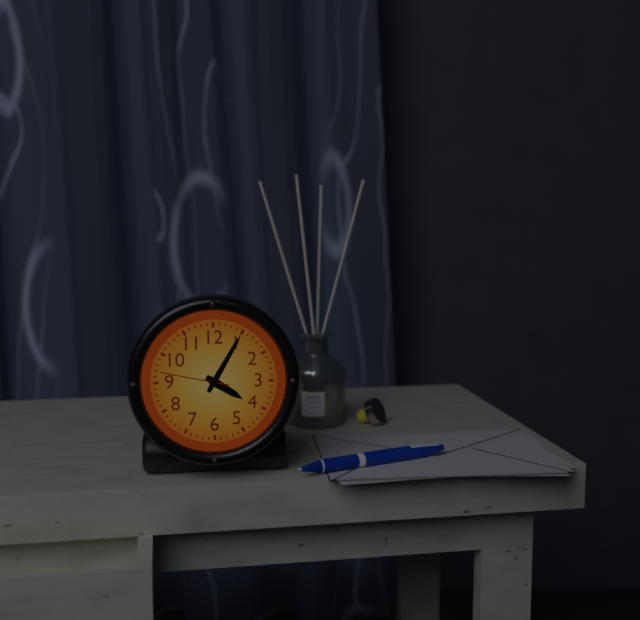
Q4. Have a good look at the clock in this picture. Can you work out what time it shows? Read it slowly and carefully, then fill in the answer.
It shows 4:05:47
